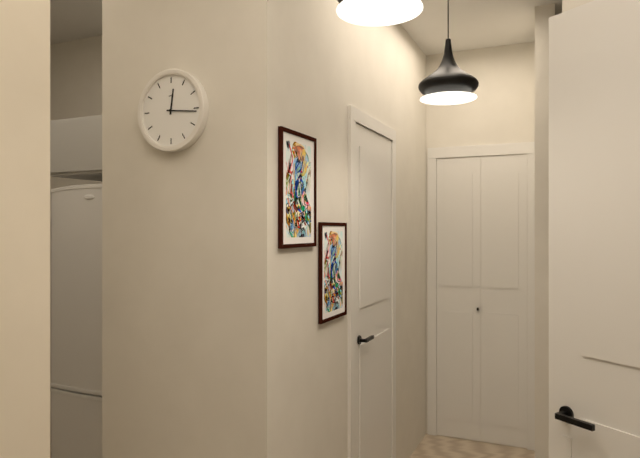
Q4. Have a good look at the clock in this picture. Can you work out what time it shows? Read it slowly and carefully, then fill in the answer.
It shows 12:16
